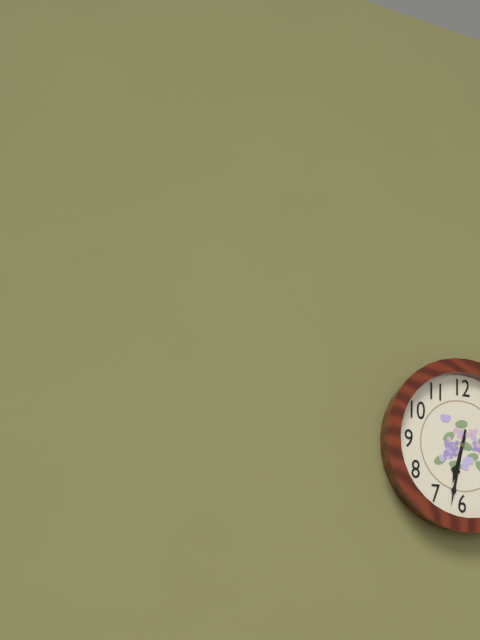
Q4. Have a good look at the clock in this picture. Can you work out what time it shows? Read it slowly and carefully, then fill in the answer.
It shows 6:32
